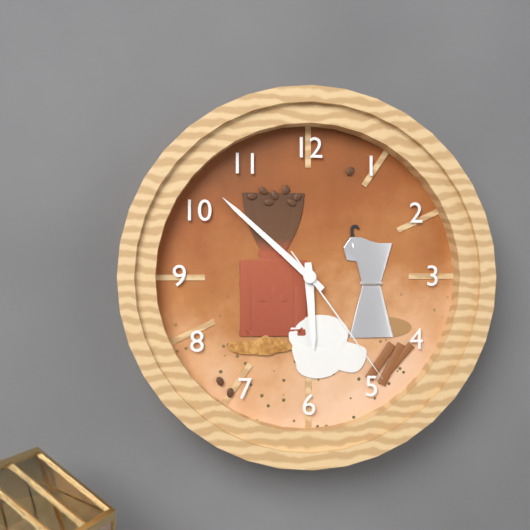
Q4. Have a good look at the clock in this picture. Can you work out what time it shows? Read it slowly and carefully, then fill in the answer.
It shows 5:52:24
